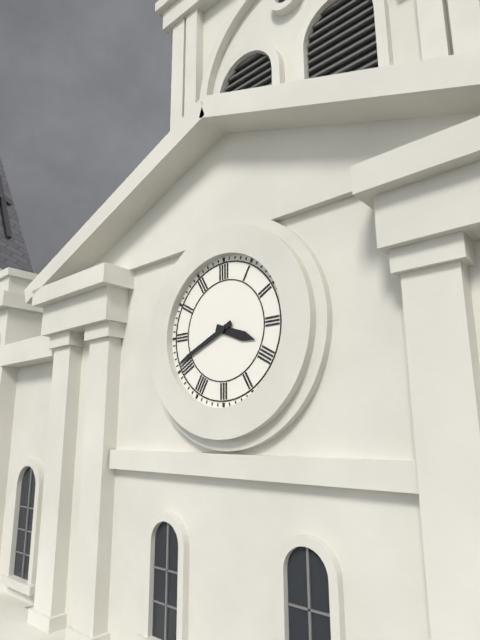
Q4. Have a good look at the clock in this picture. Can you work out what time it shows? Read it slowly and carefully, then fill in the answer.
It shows 3:41
